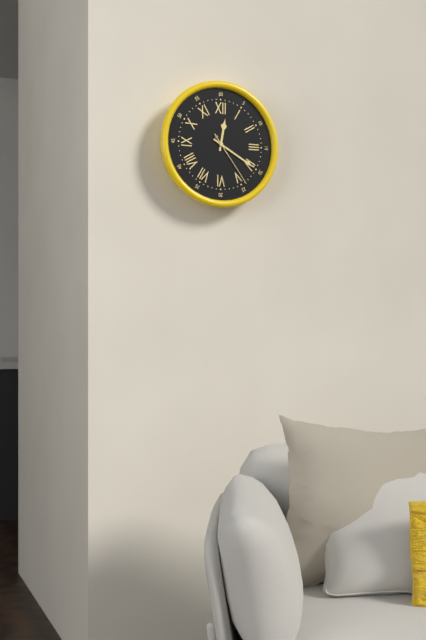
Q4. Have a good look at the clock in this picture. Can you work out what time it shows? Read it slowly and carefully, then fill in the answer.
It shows 12:20:24
